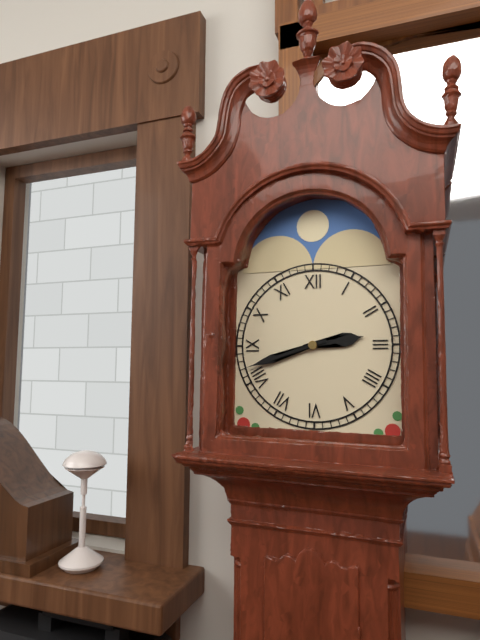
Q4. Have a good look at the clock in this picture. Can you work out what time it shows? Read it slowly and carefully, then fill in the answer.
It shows 2:42
